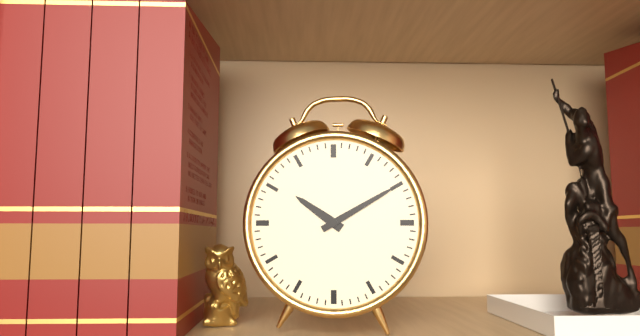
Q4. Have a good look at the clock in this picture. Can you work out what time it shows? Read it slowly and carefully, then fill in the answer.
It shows 10:10
